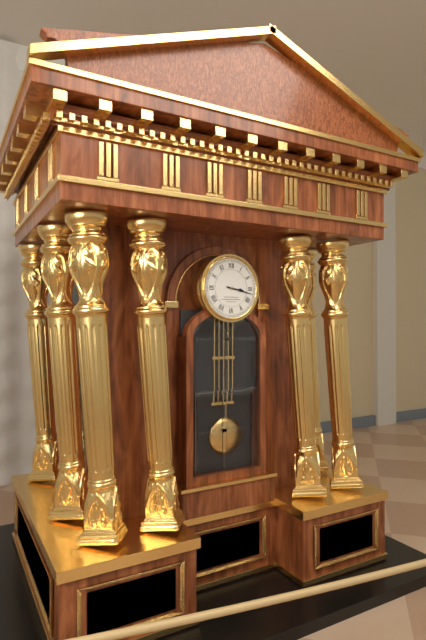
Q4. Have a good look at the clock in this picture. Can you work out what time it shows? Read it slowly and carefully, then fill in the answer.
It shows 3:17
